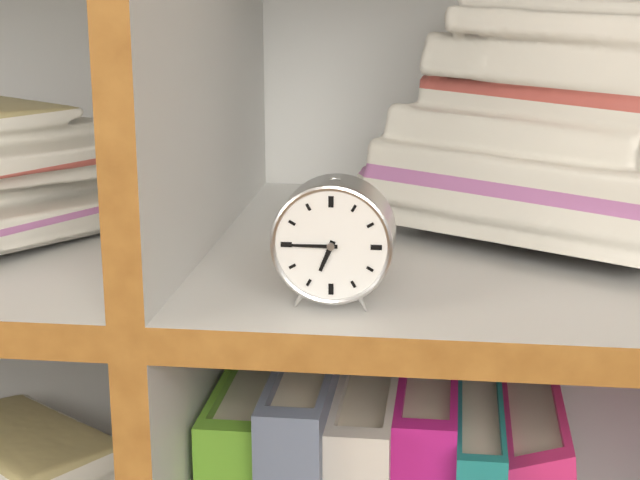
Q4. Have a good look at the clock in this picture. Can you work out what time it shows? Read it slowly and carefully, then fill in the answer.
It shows 6:45
